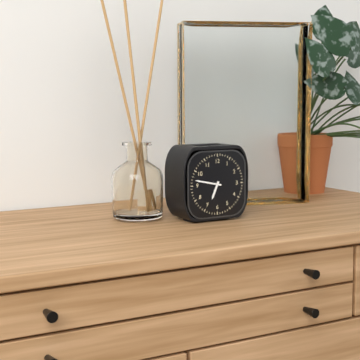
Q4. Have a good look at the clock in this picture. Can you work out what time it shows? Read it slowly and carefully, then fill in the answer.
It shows 6:47
